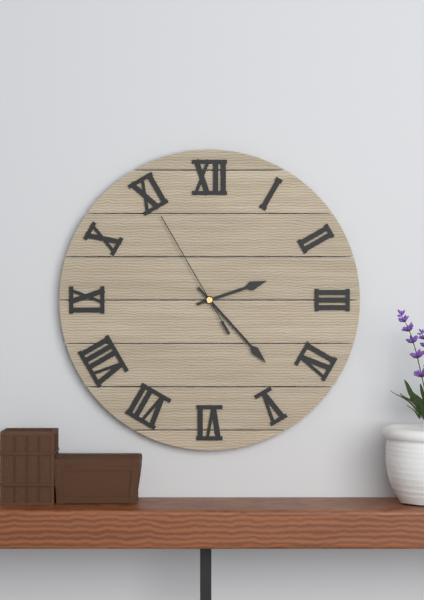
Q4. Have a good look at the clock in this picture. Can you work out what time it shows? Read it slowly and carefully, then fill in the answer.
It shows 2:23:55
